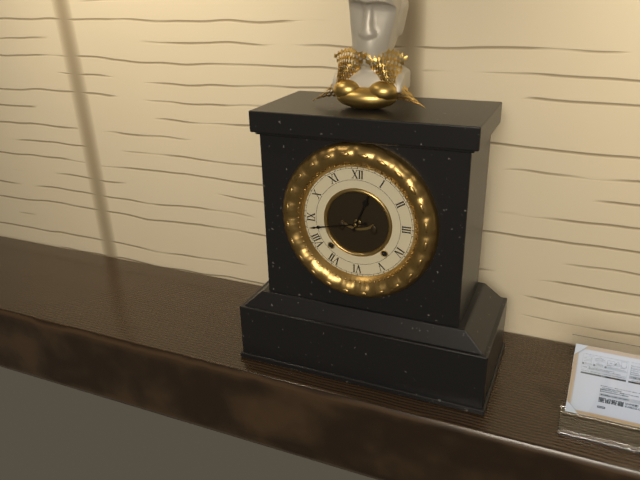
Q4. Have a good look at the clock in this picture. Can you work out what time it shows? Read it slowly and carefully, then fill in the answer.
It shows 12:43
